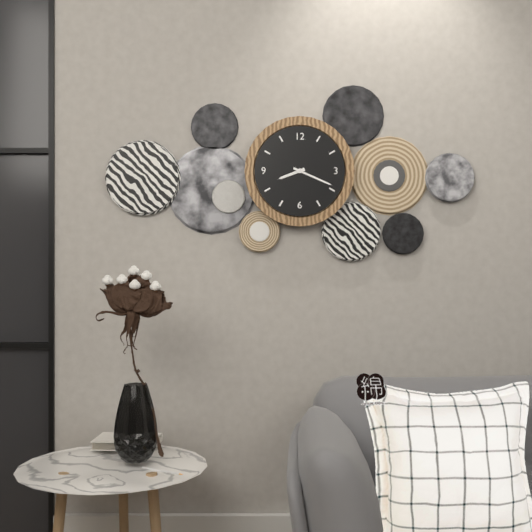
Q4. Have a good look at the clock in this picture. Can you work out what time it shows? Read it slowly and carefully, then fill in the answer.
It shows 8:19
